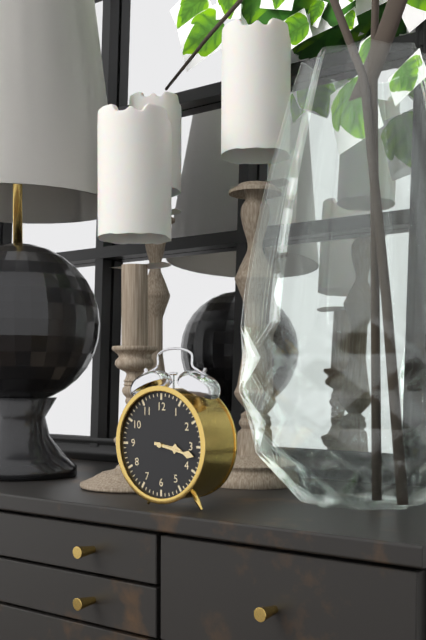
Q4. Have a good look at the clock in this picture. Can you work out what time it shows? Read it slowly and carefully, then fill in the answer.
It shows 3:17
